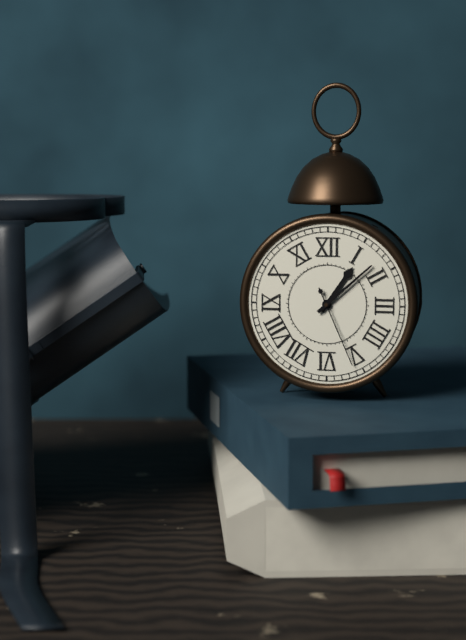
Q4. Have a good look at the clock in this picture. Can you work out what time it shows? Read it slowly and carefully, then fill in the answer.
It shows 1:08:26
